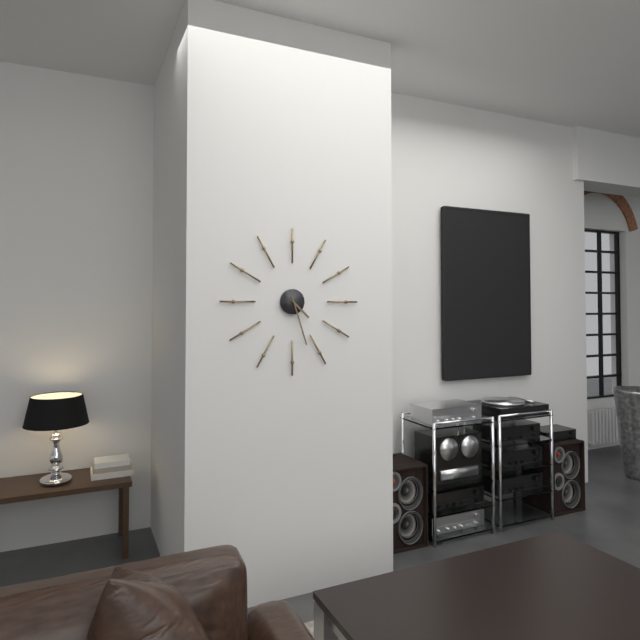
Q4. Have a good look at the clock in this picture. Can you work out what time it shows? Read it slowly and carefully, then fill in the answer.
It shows 4:27
